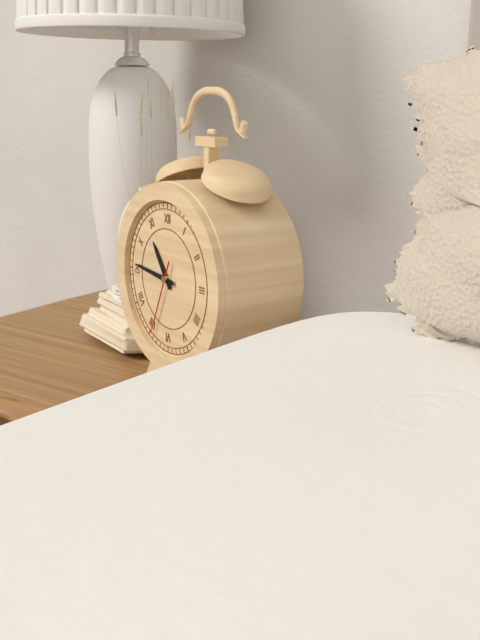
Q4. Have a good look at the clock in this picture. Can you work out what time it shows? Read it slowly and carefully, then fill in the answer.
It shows 10:46:34
